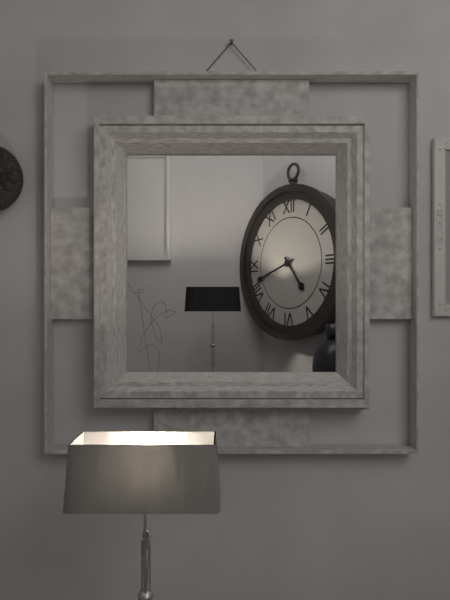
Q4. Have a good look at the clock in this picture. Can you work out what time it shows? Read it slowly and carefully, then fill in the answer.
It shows 4:42
